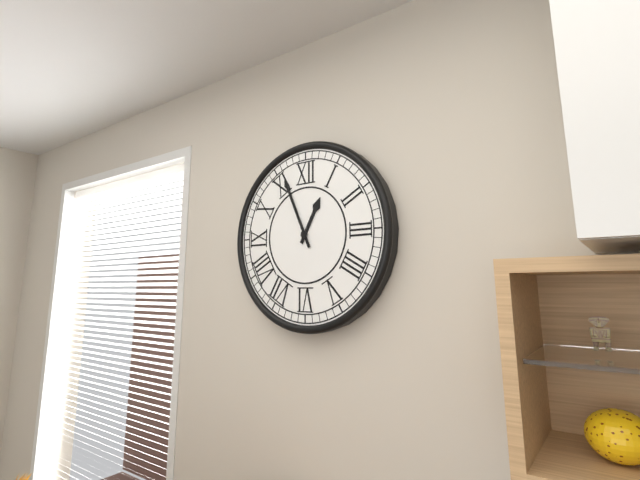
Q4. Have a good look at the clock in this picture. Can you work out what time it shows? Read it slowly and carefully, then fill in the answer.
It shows 12:56
